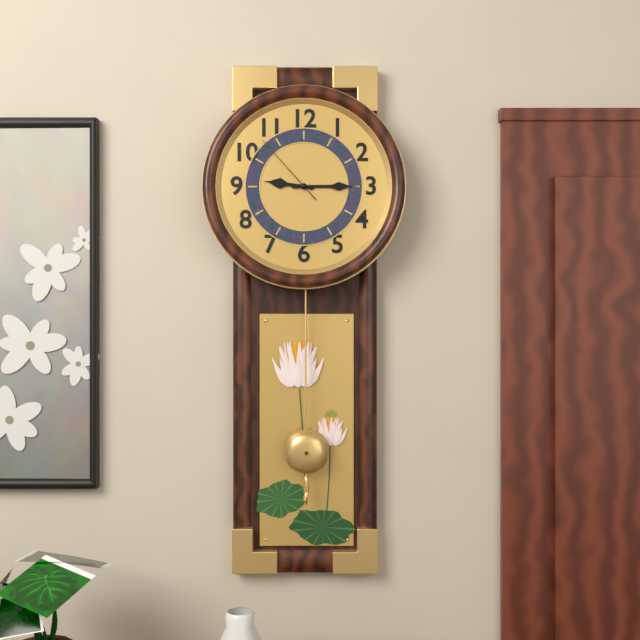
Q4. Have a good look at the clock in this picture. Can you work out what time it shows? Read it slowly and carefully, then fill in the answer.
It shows 9:15:53
